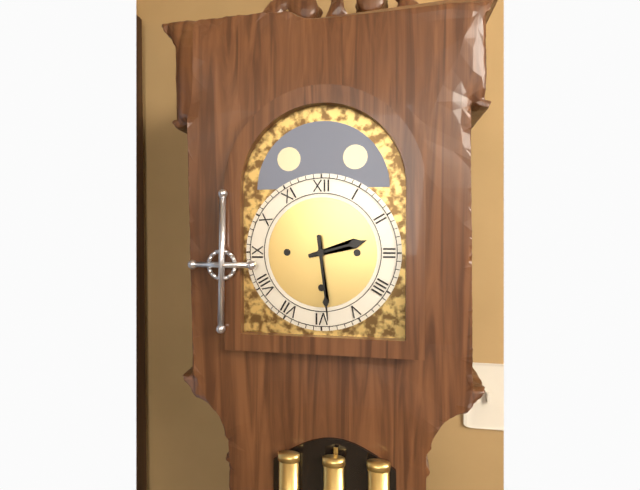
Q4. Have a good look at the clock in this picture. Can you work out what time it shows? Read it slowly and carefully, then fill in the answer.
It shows 2:29
